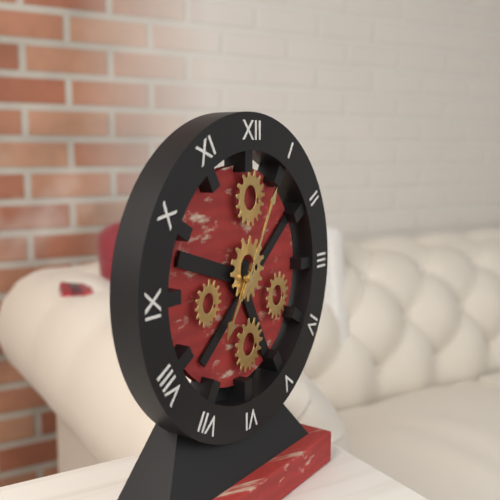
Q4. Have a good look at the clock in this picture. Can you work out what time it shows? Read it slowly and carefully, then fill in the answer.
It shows 7:05
